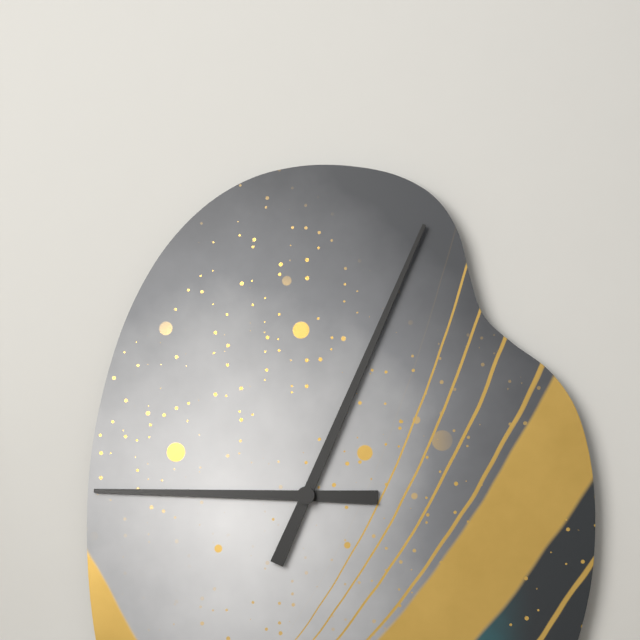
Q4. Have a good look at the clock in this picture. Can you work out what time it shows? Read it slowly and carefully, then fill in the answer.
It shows 9:04
